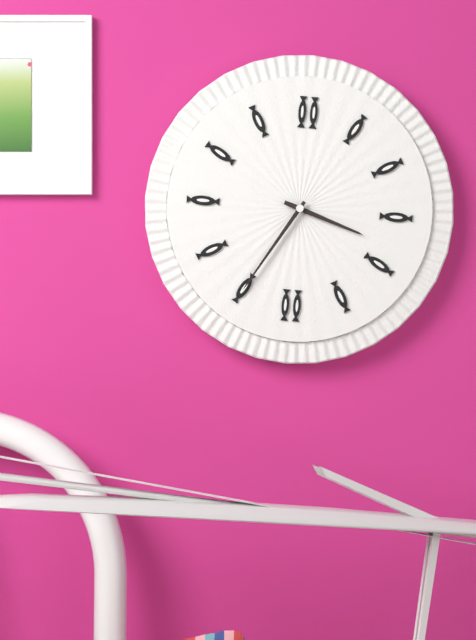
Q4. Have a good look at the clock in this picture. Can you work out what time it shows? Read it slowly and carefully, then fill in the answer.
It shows 3:35
